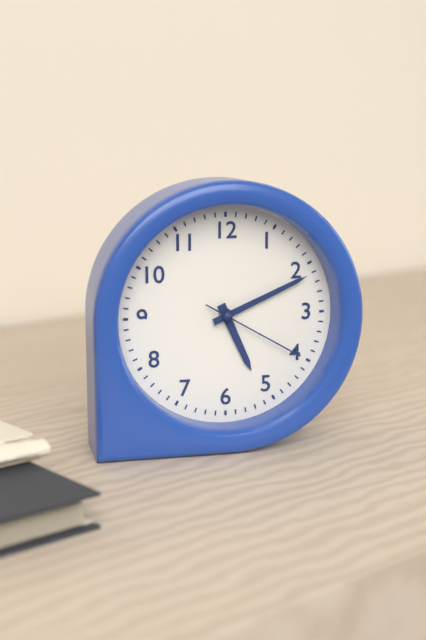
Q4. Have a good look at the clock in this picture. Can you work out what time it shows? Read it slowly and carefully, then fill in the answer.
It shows 5:11:20
